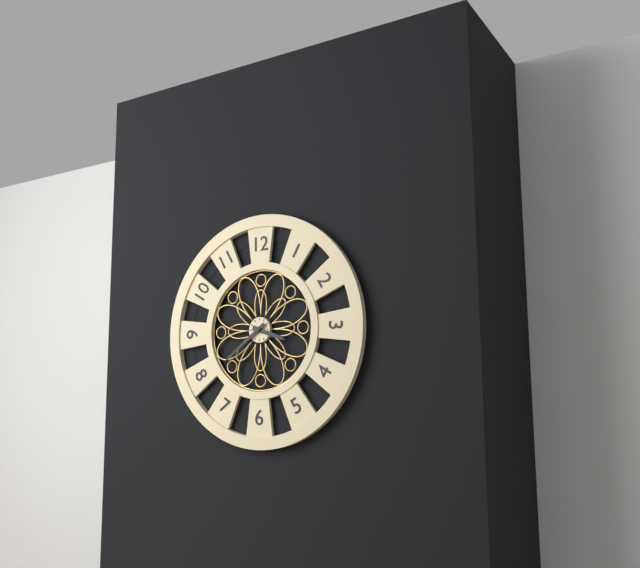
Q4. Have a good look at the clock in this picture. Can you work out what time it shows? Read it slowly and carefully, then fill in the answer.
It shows 3:39
